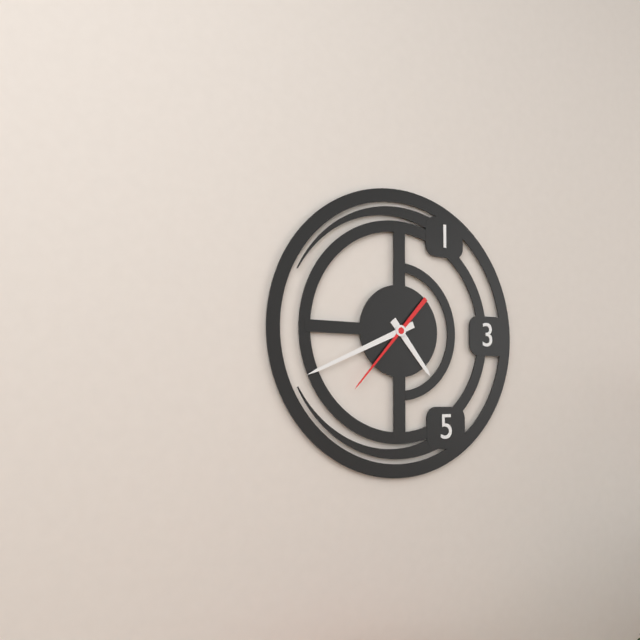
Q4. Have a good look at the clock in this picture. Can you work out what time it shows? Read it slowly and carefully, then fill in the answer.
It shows 4:41:37
